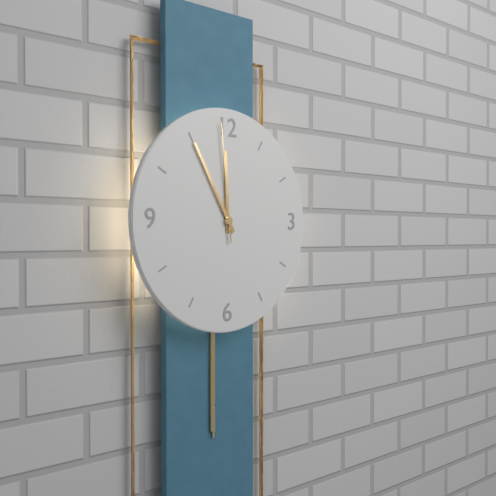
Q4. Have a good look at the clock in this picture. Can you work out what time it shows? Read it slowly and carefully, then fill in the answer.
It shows 11:55:59
